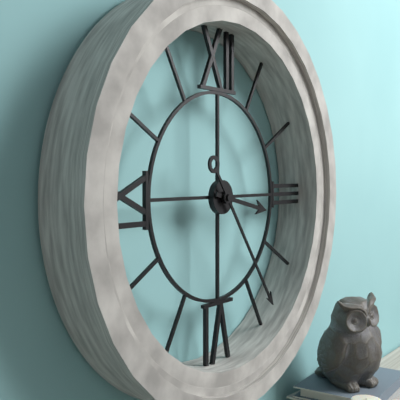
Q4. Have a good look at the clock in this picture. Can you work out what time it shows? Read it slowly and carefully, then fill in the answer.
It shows 3:24
